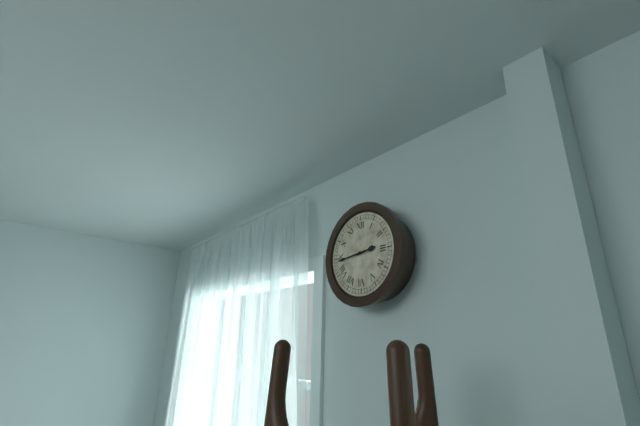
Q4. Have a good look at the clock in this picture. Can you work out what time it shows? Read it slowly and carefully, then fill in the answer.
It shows 2:44
